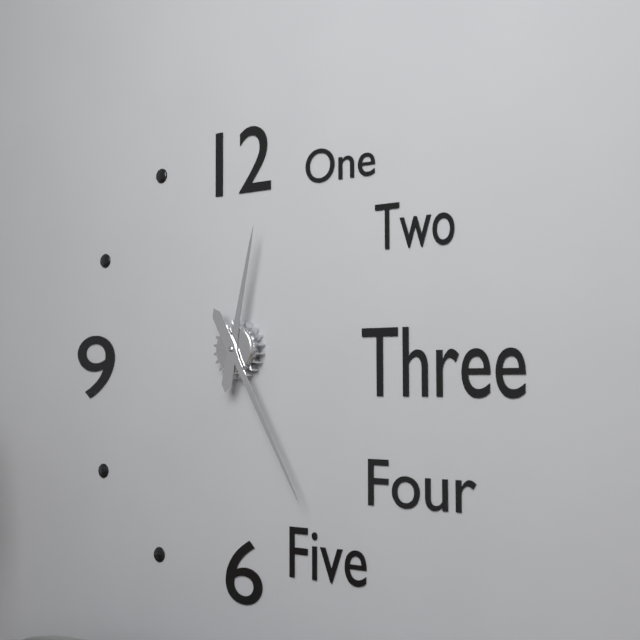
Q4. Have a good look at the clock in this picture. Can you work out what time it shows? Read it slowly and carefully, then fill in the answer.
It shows 12:25
